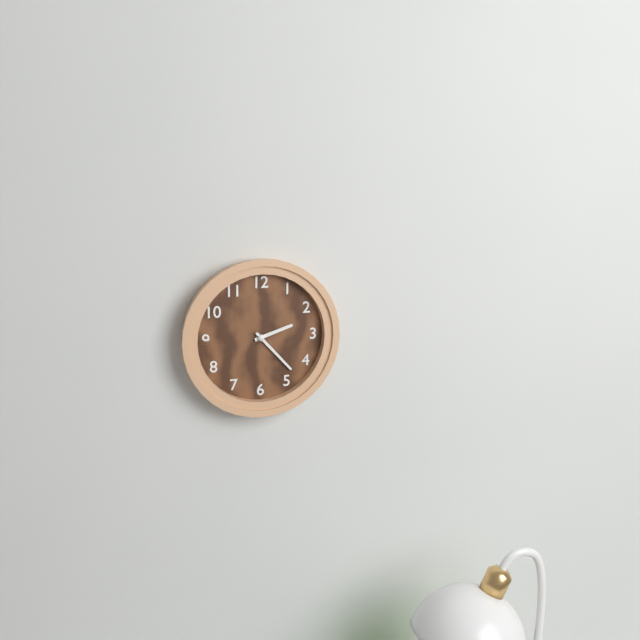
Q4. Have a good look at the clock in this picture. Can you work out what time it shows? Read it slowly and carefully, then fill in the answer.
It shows 2:23
